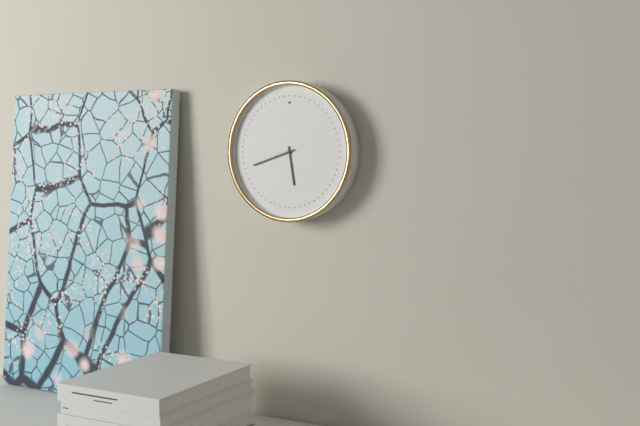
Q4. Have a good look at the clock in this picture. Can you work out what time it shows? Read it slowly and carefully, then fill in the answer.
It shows 5:42
